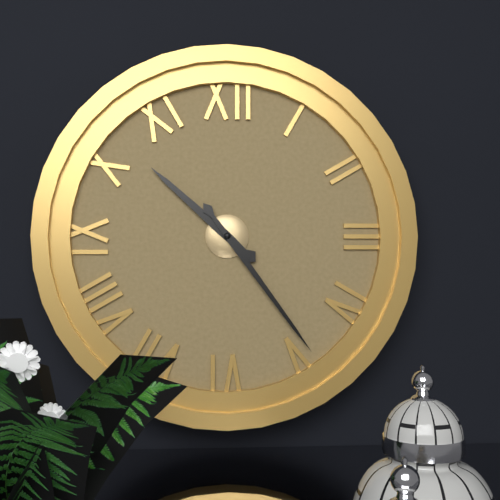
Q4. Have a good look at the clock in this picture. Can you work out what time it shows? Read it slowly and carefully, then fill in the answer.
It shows 10:24
